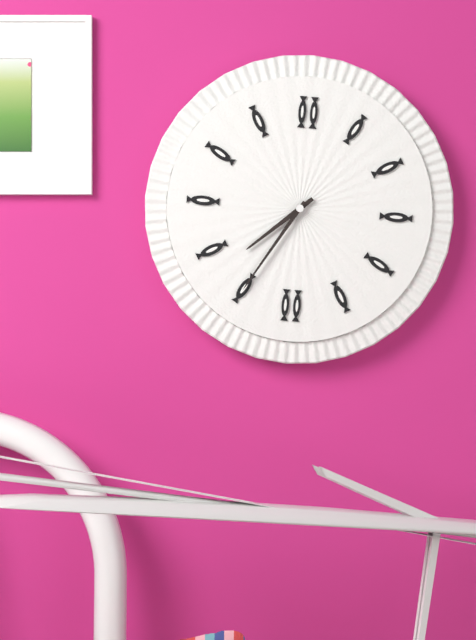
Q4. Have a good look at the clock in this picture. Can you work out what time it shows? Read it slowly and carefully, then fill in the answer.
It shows 7:35
